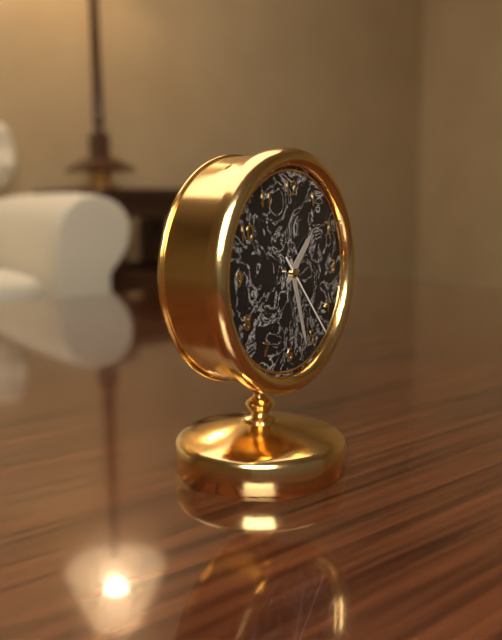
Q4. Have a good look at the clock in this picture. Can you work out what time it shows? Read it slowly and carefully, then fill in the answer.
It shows 1:27:23
